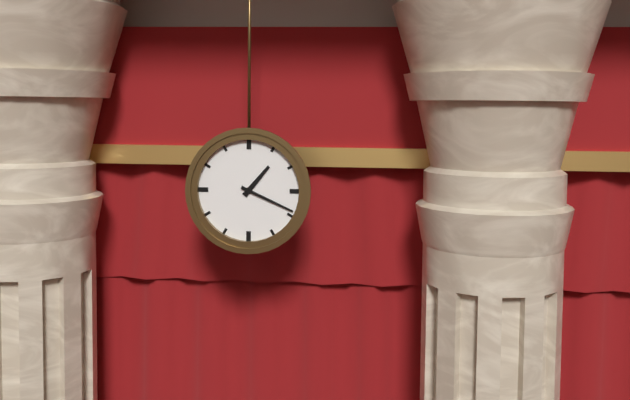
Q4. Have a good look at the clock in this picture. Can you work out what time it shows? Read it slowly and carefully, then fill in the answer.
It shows 1:19
